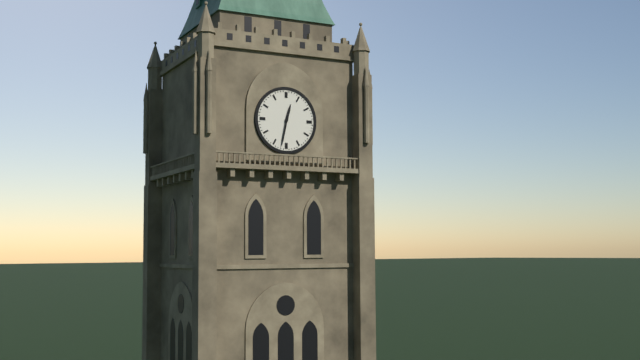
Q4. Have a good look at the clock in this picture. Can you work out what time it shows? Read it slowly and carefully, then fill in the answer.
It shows 12:32
